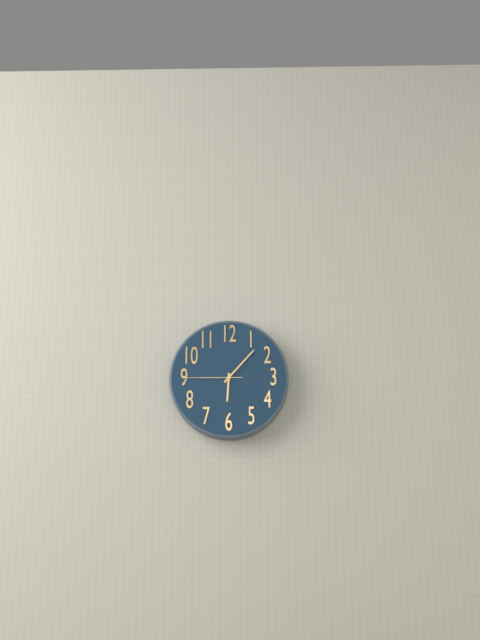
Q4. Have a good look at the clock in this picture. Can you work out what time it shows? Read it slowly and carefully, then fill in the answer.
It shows 6:07:45
